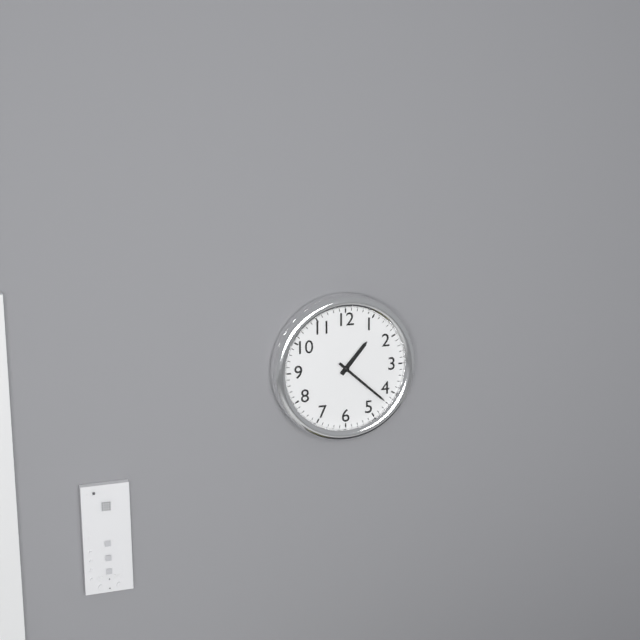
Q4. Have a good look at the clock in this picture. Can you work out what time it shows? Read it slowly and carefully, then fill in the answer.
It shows 1:22
